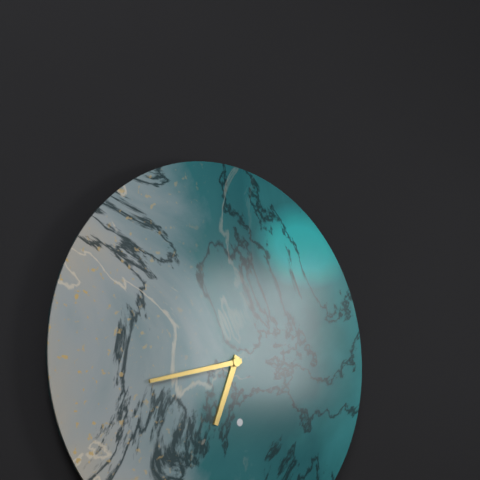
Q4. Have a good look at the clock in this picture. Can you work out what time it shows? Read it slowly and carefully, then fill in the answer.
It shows 6:43
